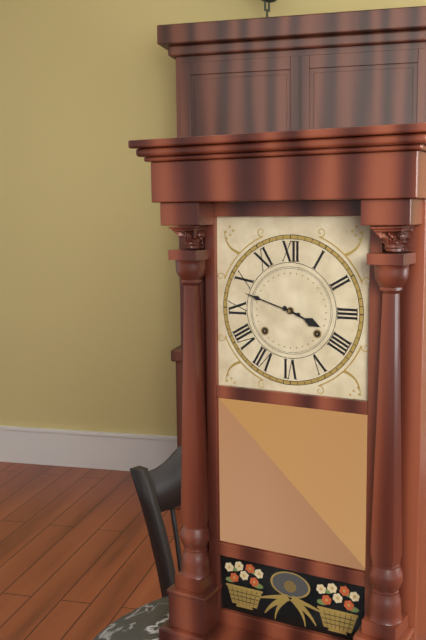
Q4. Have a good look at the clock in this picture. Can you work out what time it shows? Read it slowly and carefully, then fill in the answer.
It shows 3:48
